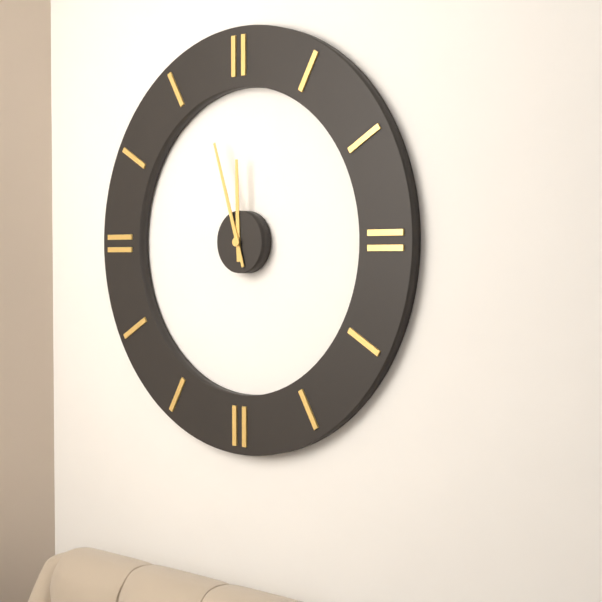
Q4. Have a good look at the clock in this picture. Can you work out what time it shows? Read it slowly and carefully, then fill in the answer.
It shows 11:57
